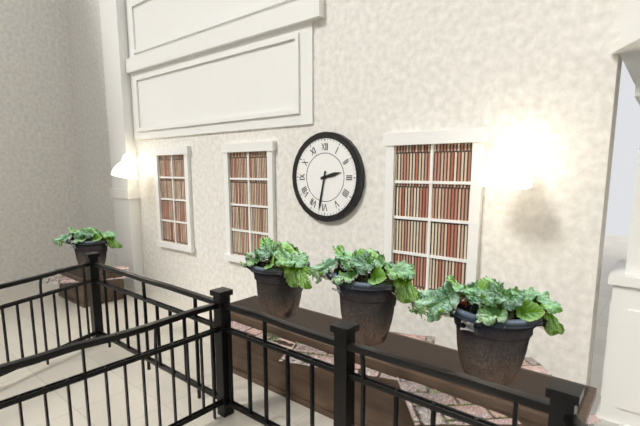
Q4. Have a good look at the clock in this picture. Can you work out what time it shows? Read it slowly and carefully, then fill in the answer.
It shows 2:32
